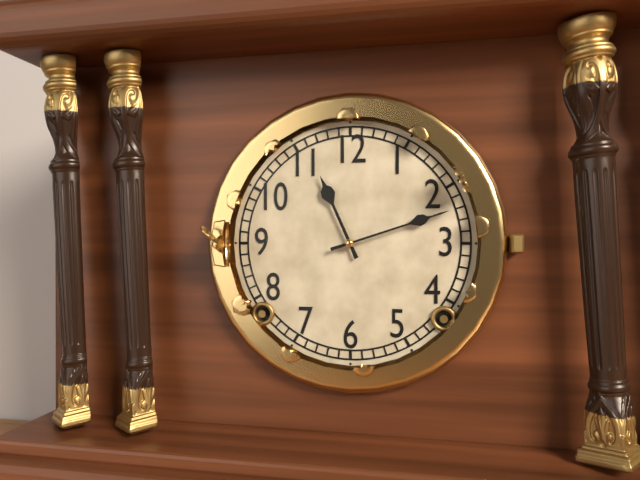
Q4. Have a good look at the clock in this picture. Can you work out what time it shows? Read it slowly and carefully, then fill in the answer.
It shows 11:12
